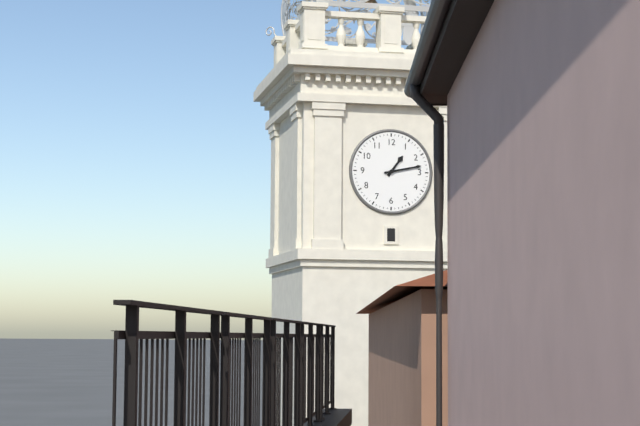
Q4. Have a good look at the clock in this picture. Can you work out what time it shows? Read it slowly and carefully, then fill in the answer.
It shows 1:13
